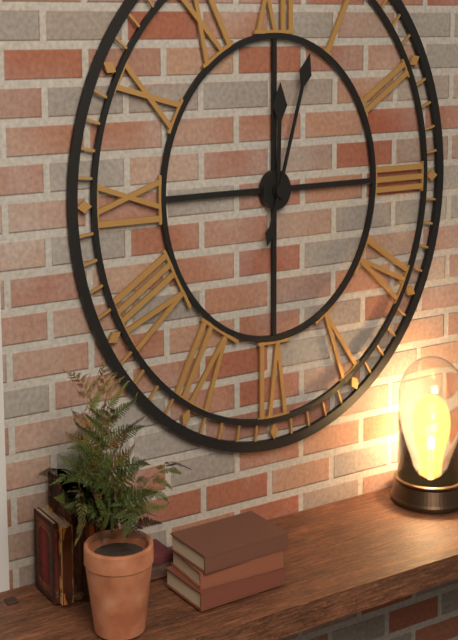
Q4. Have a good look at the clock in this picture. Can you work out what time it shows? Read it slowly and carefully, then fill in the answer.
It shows 12:03
